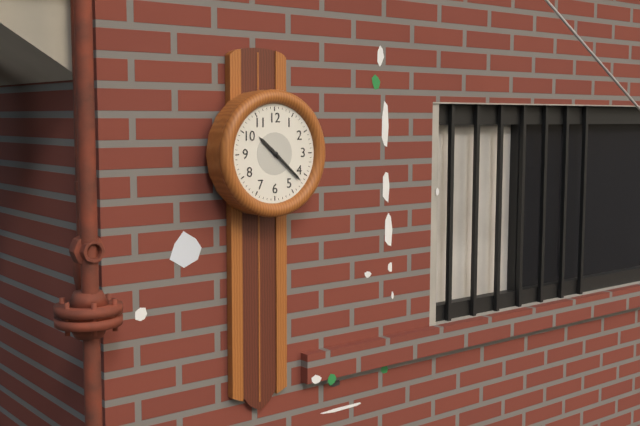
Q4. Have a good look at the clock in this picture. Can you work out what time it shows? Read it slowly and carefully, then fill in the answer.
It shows 10:22
